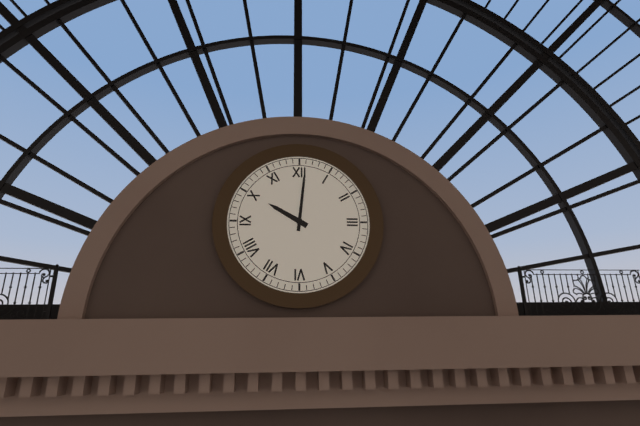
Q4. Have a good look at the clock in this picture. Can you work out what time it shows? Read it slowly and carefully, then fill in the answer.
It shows 10:01
